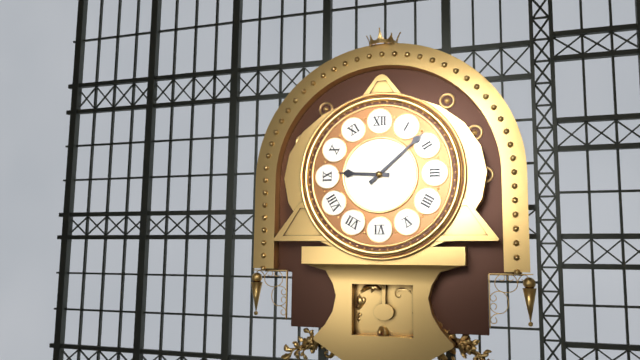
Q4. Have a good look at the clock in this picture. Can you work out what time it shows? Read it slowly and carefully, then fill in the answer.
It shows 9:08
